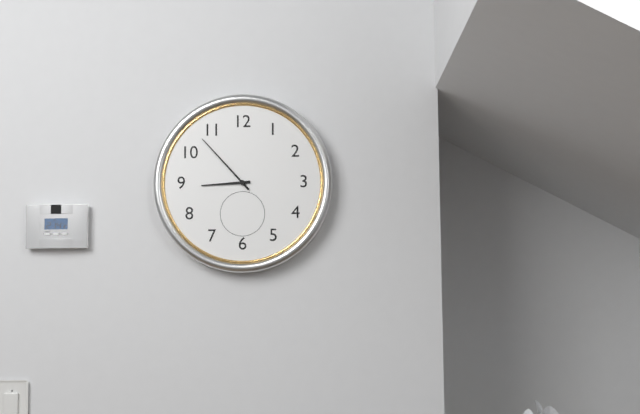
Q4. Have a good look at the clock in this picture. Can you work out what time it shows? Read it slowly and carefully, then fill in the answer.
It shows 8:53
